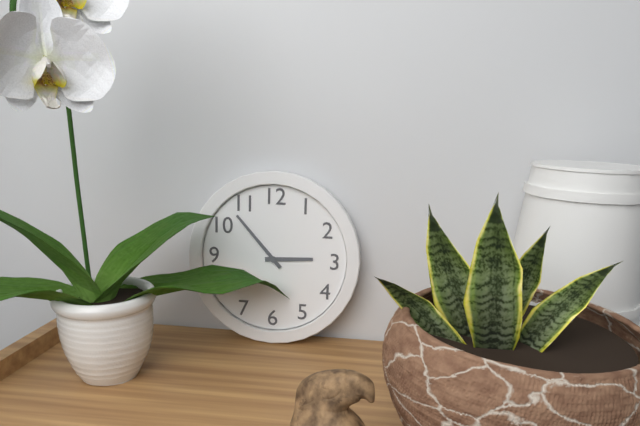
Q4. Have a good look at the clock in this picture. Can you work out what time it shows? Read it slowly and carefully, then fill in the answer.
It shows 2:53
